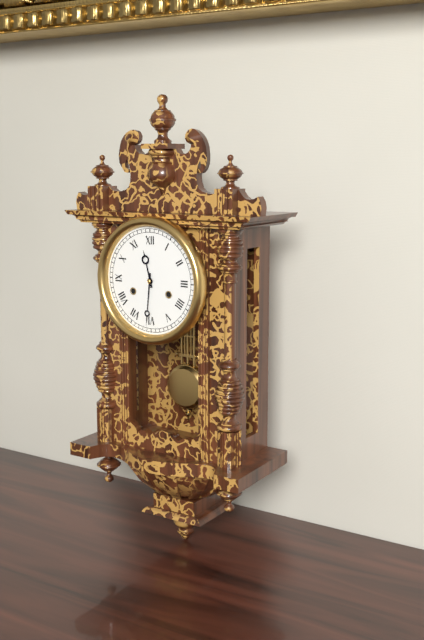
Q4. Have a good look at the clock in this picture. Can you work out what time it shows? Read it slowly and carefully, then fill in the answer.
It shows 11:31
